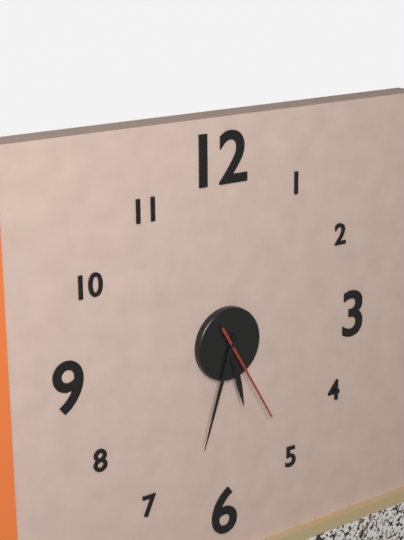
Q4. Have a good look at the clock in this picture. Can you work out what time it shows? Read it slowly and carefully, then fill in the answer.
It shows 5:33:25
